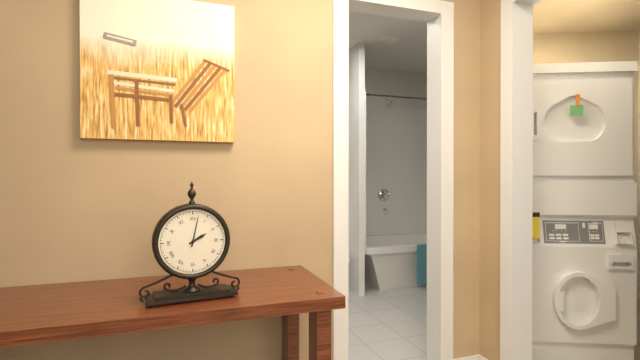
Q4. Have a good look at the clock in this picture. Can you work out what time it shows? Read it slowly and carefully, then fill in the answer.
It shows 2:02
